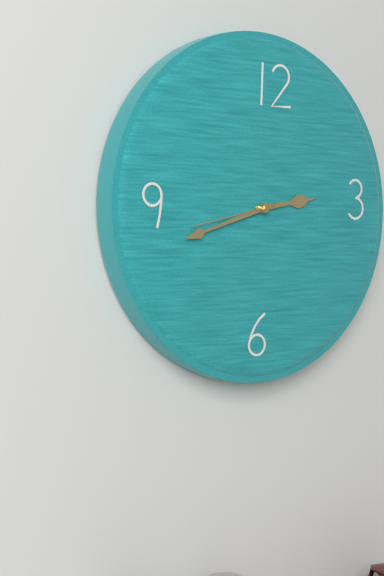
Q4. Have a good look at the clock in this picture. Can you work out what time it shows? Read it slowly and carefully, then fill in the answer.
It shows 2:42:43
